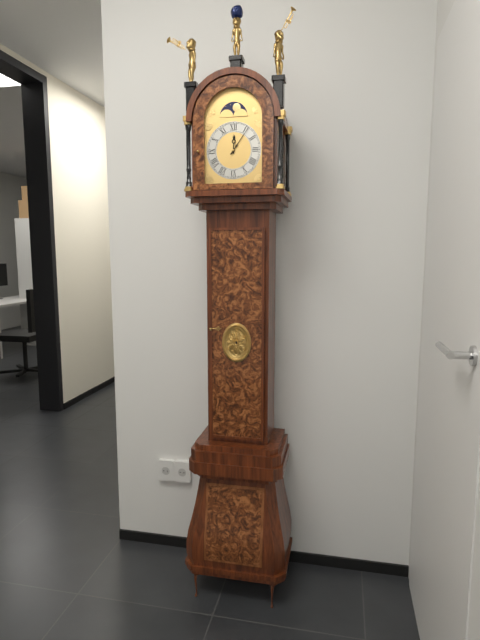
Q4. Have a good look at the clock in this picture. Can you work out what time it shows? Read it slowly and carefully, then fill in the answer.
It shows 12:06
